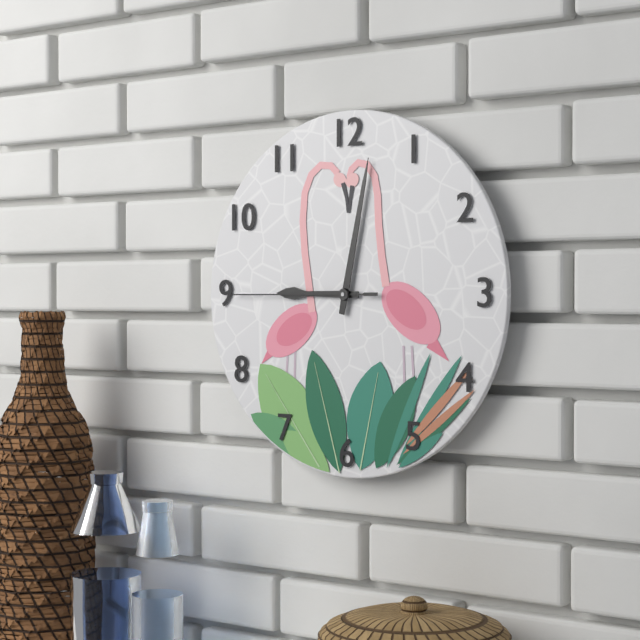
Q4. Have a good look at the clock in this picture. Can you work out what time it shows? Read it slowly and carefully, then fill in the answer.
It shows 9:02:45
